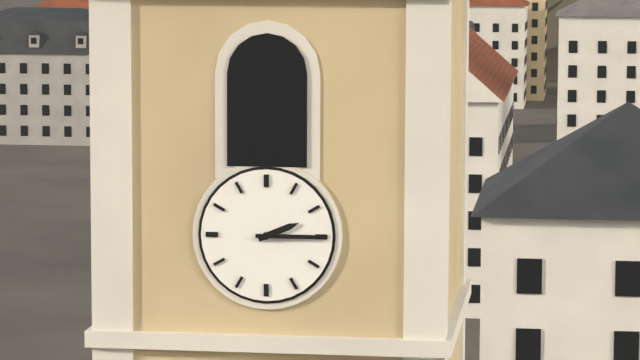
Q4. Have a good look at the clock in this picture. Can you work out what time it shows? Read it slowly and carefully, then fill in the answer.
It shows 2:15
